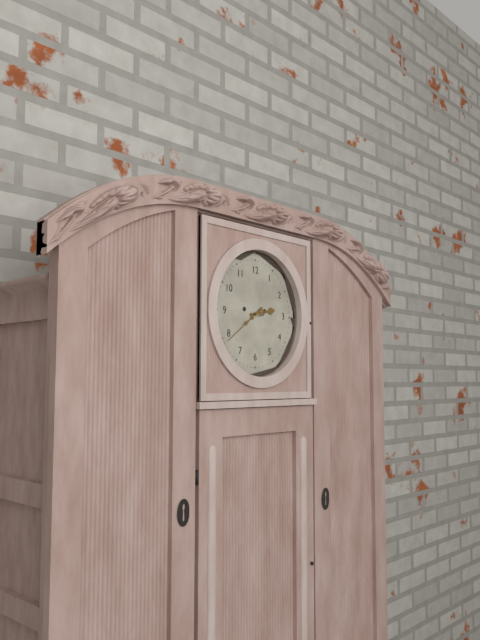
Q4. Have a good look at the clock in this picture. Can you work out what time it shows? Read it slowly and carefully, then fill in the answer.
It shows 2:39
